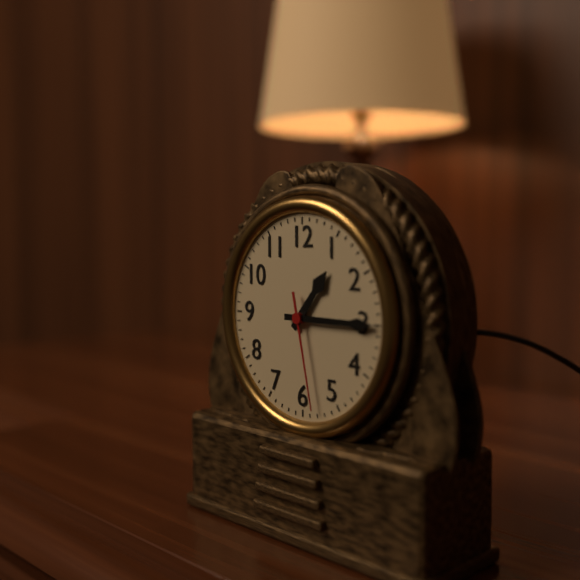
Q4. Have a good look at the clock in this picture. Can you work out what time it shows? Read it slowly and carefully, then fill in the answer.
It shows 1:15:28
